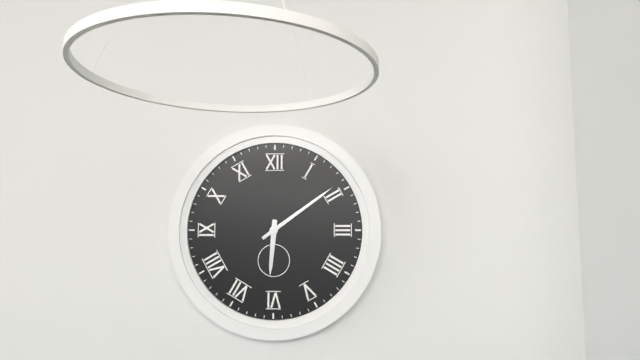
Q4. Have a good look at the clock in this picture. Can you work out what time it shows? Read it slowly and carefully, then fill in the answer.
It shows 6:09
